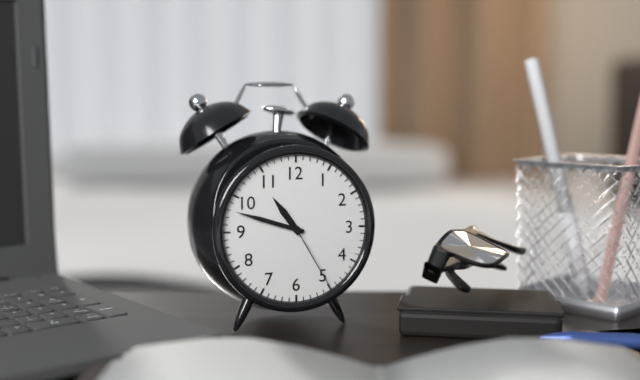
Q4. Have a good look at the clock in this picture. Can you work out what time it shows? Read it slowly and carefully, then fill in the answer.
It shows 10:48:25
